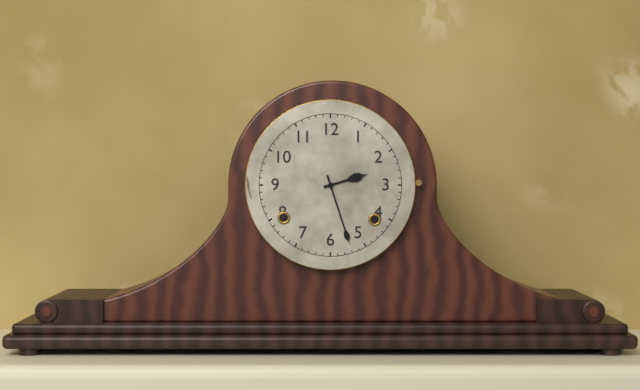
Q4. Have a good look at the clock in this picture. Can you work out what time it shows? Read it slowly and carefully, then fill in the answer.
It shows 2:27
